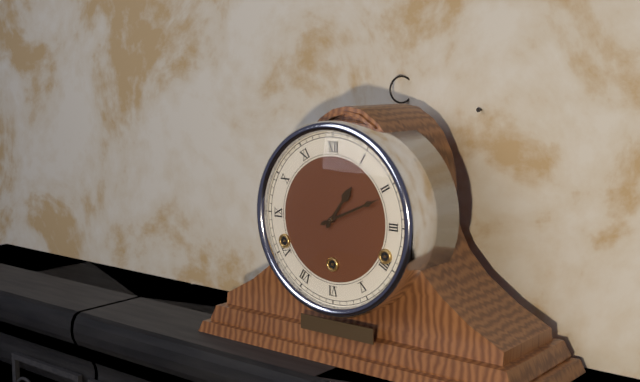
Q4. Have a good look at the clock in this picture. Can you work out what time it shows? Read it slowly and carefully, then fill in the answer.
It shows 1:11
